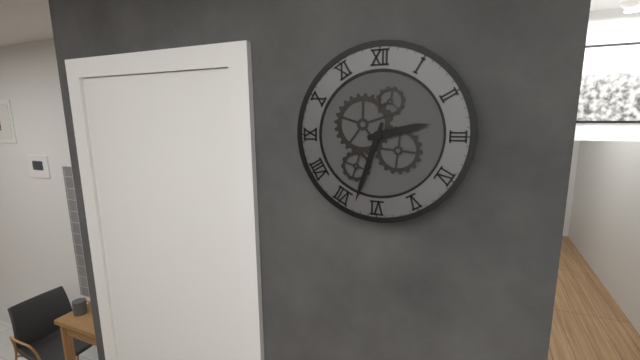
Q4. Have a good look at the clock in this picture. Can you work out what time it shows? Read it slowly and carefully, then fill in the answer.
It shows 2:33
